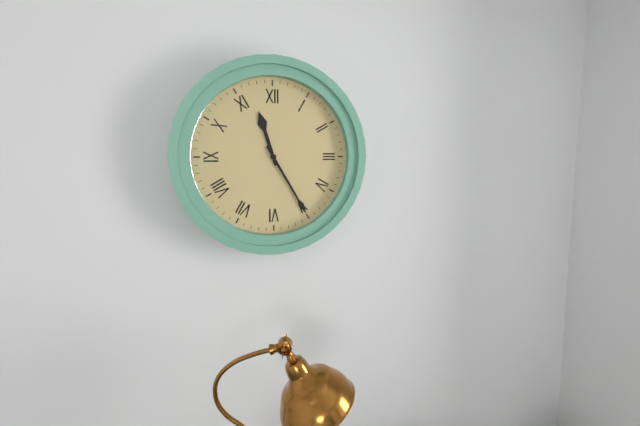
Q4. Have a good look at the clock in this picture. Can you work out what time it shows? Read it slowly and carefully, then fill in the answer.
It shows 11:25
